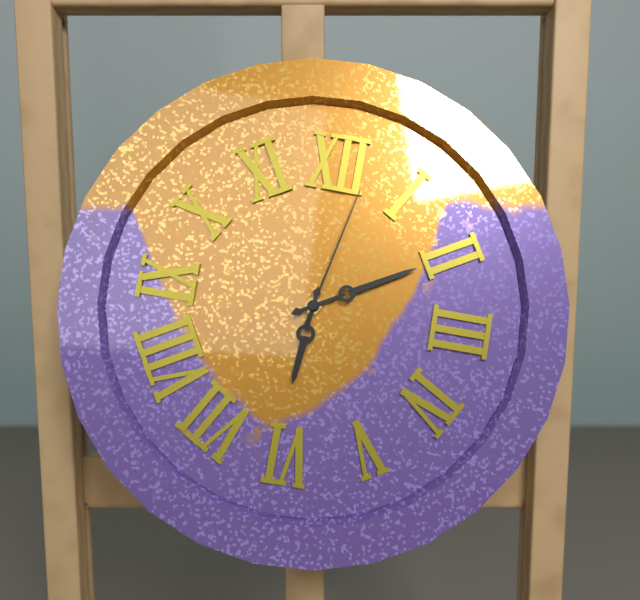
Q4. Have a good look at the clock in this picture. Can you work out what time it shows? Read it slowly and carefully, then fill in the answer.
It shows 6:10:02
